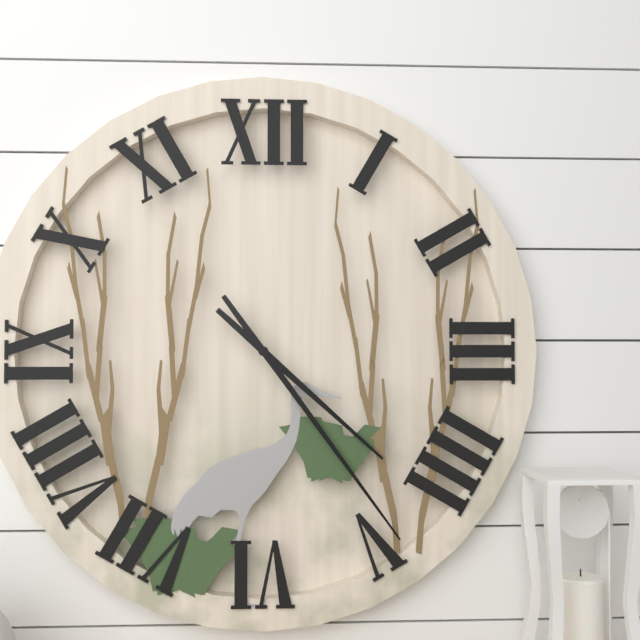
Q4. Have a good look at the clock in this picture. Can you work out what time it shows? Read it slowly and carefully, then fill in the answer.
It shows 4:24
